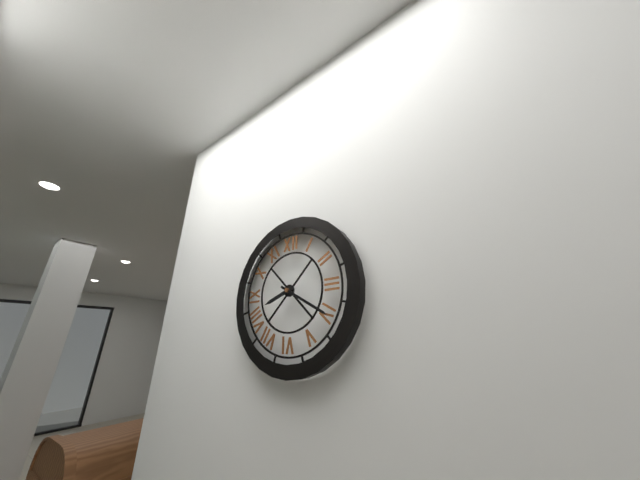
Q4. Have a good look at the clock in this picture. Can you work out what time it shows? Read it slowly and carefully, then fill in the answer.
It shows 8:20
